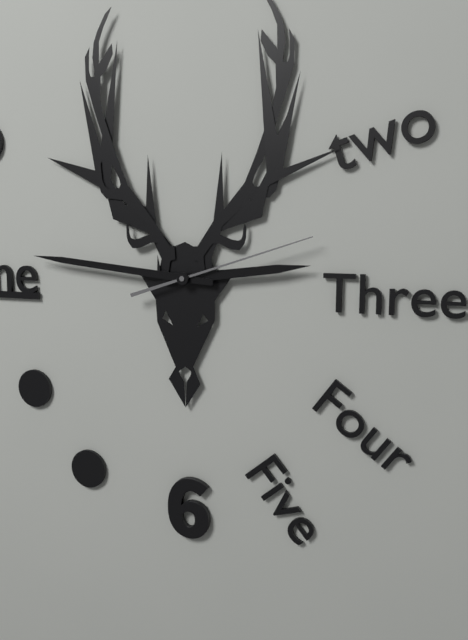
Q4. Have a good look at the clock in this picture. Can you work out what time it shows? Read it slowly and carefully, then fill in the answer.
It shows 2:46:12
